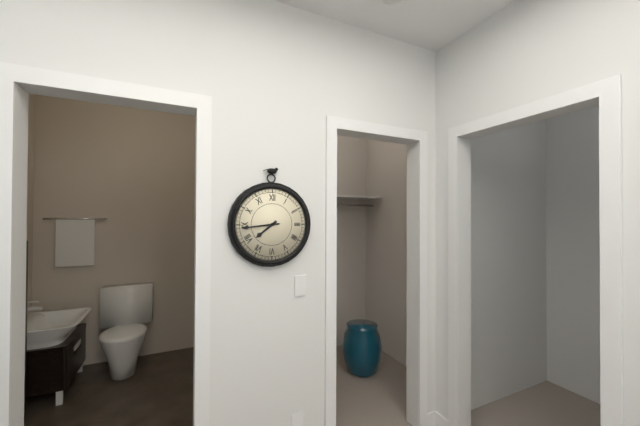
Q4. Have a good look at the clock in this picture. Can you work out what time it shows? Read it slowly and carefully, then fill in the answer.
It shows 7:44
